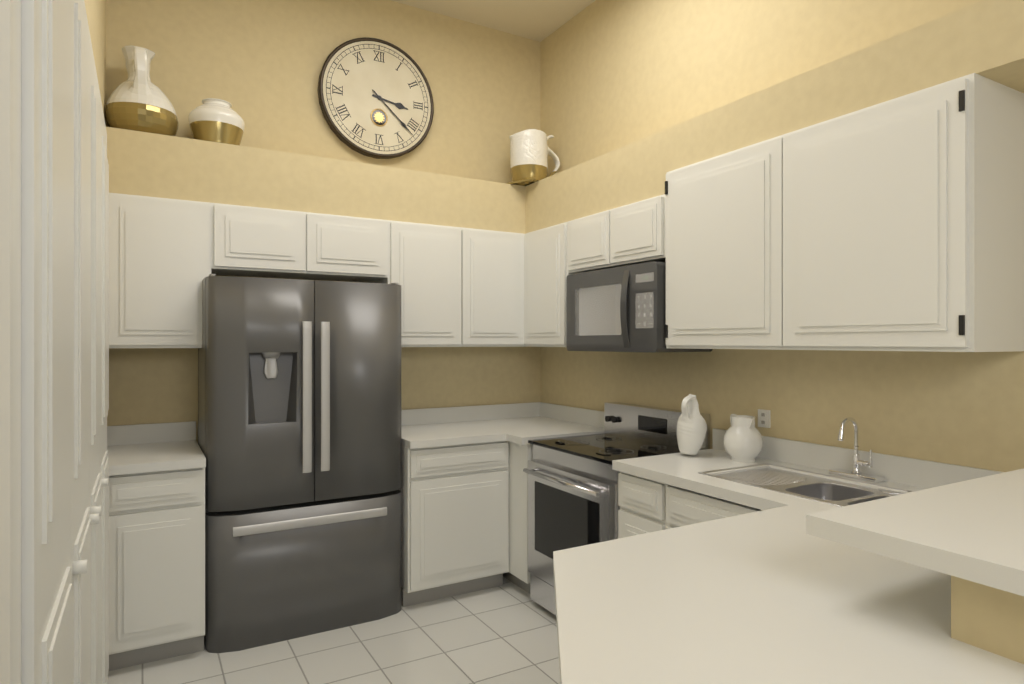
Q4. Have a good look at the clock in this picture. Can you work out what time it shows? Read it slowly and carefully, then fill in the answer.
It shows 3:22
